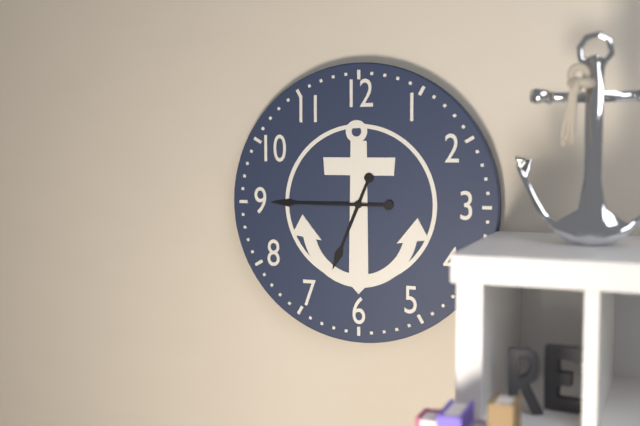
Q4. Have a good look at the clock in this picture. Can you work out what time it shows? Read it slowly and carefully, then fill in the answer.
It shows 6:45
